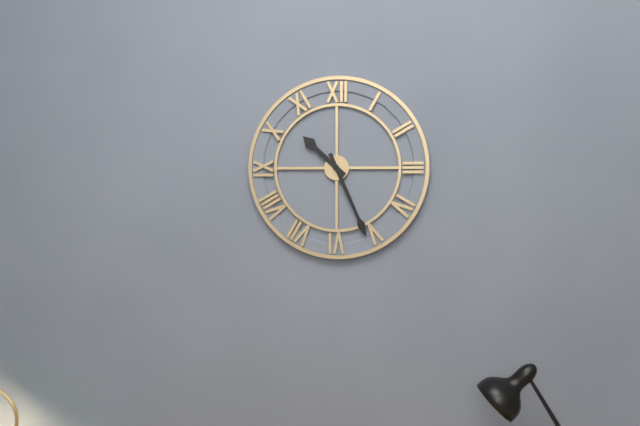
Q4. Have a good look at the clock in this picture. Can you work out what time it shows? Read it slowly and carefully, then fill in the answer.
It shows 10:26
